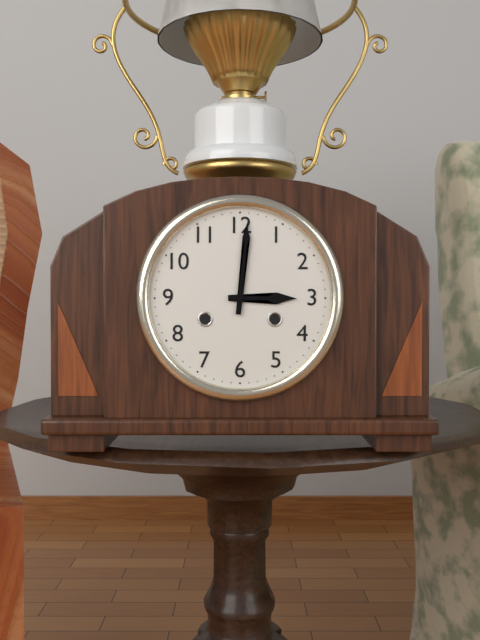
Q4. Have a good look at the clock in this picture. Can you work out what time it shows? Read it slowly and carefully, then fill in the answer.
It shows 3:01
